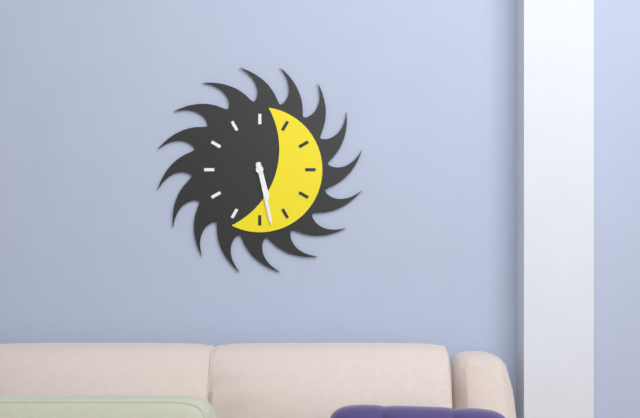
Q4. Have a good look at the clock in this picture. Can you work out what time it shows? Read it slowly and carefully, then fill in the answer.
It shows 5:28
